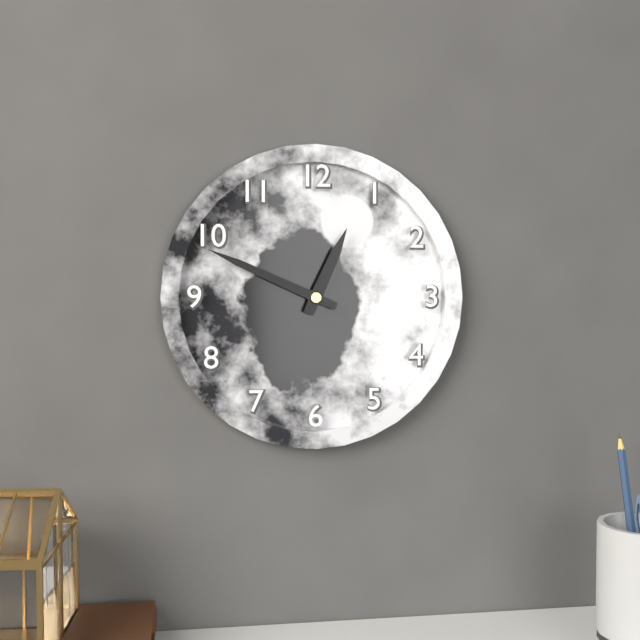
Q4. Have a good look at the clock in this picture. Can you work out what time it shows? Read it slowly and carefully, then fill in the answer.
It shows 12:49
